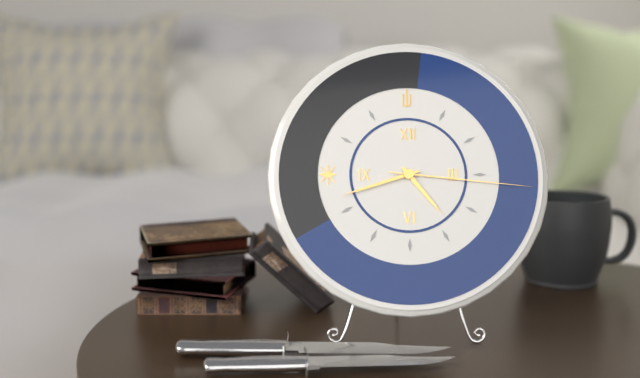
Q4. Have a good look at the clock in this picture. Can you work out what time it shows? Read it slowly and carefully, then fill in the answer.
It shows 4:42:16
